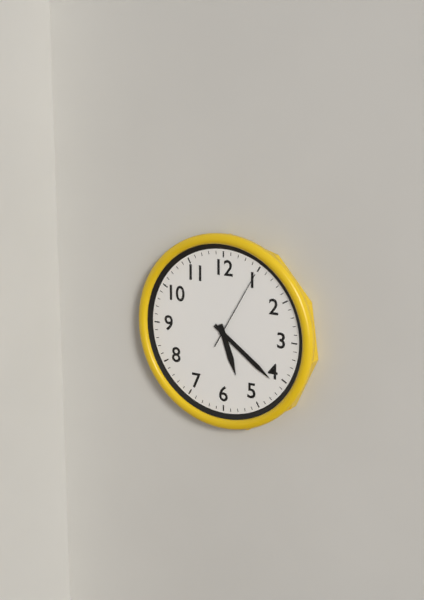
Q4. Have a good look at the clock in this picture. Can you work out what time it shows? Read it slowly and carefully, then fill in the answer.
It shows 5:21:05
